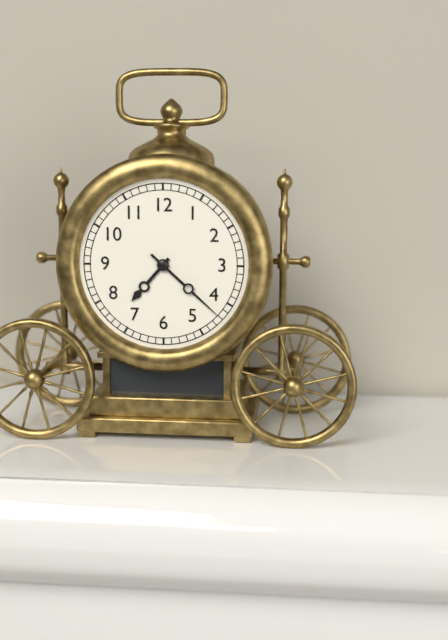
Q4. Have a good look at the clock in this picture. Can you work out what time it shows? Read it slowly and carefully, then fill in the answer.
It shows 7:22
